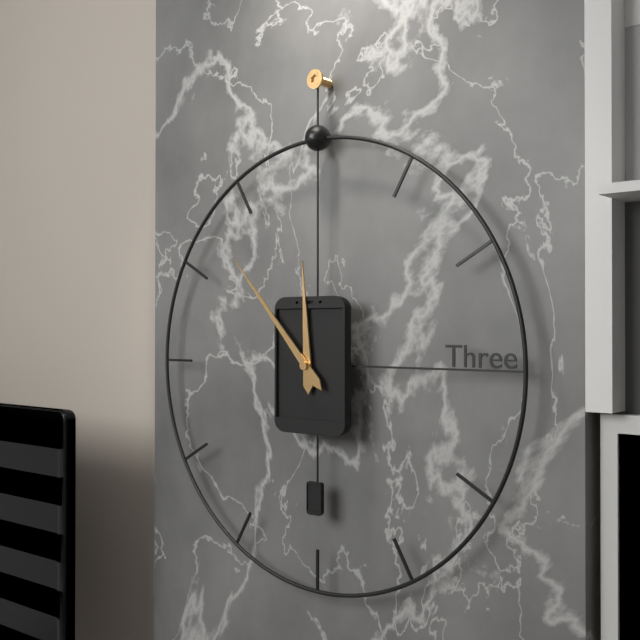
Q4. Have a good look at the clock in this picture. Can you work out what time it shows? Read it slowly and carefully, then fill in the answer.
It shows 11:53
